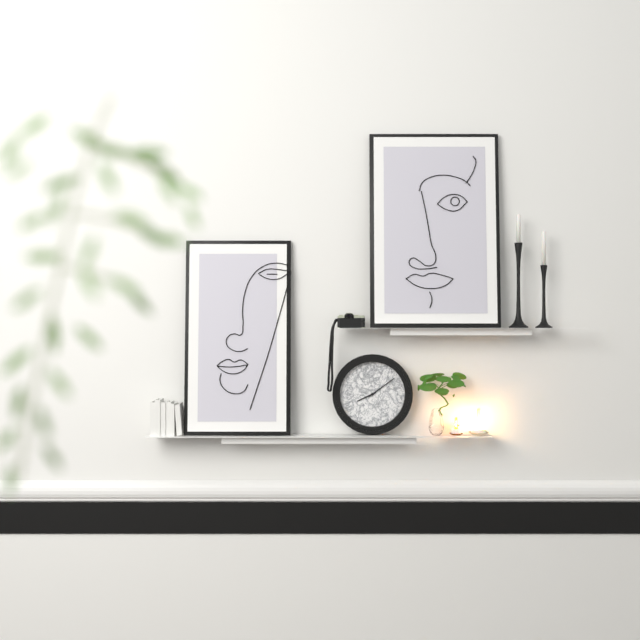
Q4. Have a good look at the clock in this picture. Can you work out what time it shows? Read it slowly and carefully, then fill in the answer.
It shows 8:09
